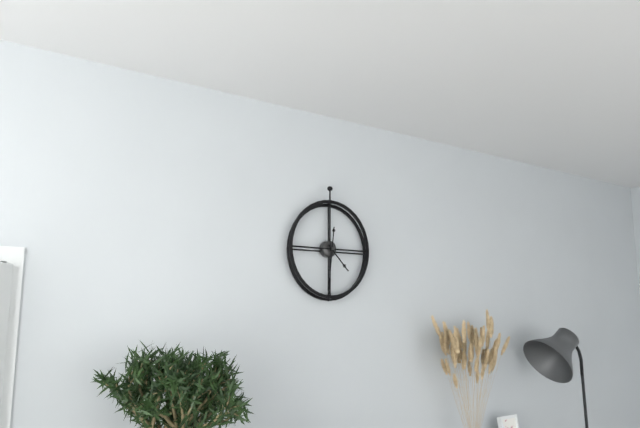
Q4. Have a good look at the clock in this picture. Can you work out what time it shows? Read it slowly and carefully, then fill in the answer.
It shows 4:31
